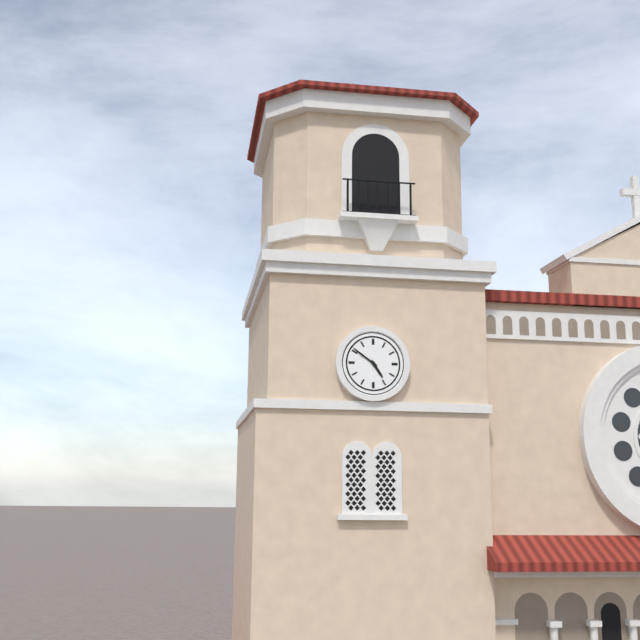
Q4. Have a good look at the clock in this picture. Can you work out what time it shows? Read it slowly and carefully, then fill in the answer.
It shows 4:51
